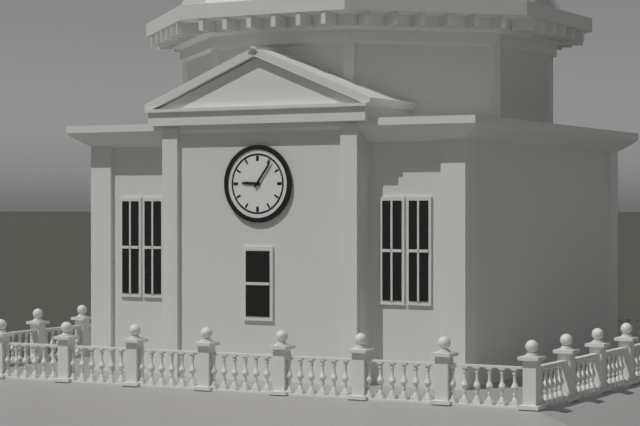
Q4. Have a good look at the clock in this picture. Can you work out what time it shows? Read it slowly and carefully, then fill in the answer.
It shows 9:06
